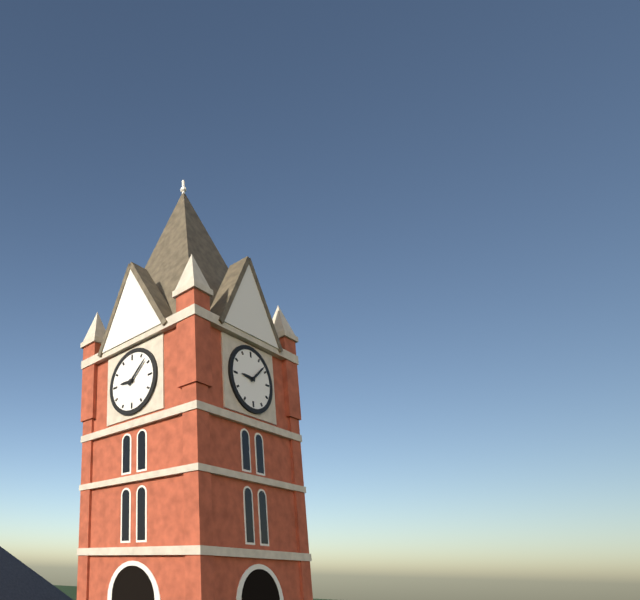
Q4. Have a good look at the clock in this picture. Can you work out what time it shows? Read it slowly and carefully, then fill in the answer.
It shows 9:08
